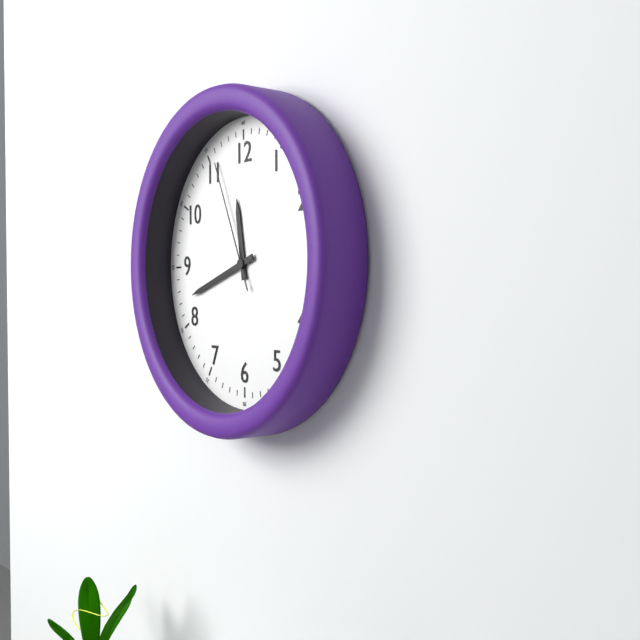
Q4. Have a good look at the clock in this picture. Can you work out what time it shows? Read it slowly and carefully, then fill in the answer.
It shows 11:42:56
